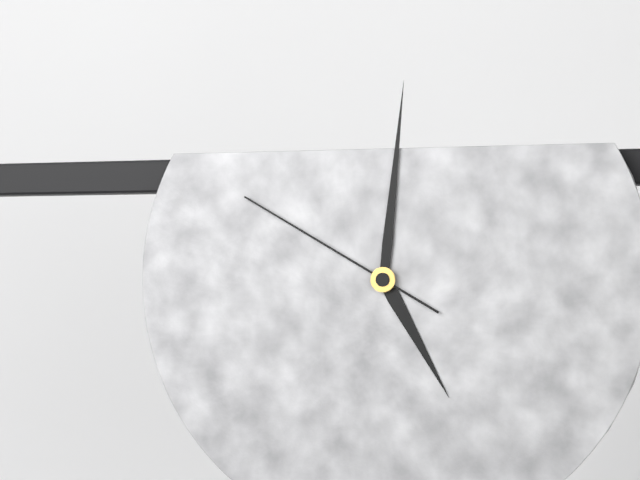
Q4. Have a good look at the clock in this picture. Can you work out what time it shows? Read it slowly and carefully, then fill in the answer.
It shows 5:01:50
